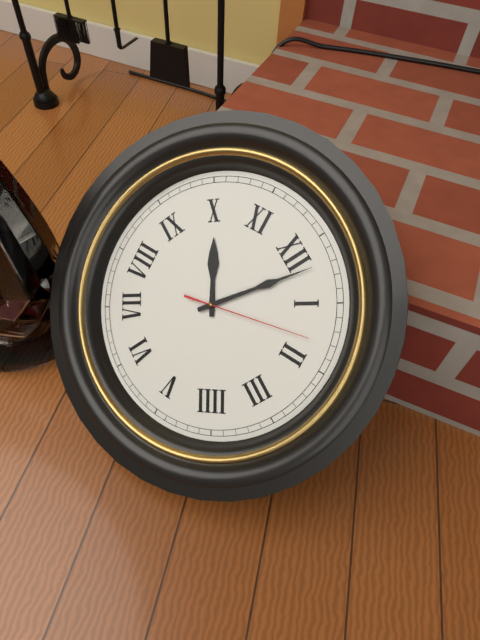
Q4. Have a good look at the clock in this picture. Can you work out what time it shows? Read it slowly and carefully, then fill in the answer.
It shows 10:02:08
